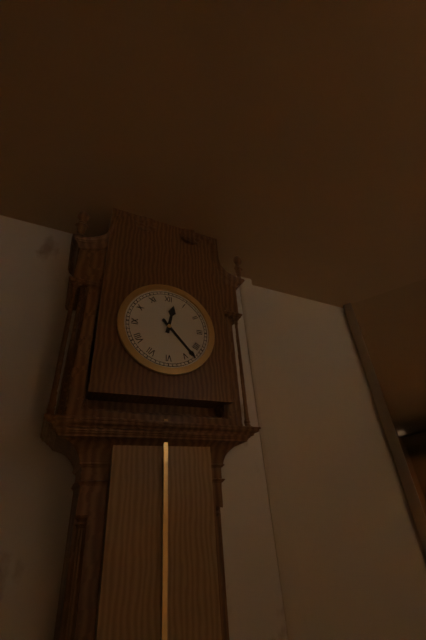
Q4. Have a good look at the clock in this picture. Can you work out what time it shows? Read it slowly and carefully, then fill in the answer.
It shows 12:23
